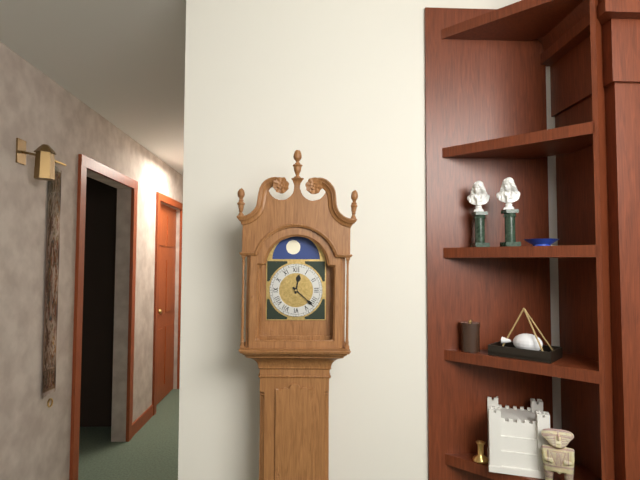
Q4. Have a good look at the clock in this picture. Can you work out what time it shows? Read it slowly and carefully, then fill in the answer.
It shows 12:22
